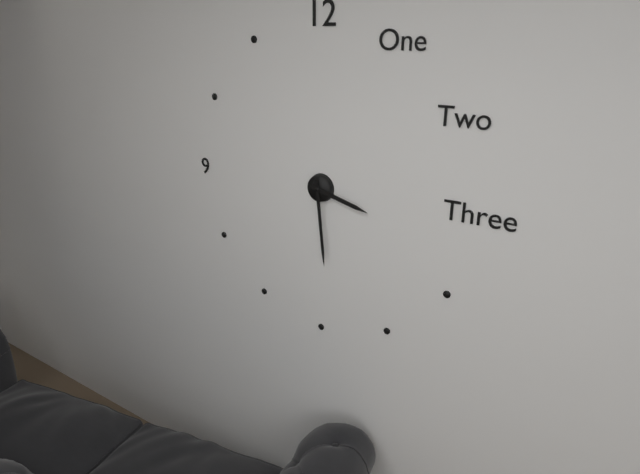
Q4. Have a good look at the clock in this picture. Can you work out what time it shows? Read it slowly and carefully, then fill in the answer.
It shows 3:29
